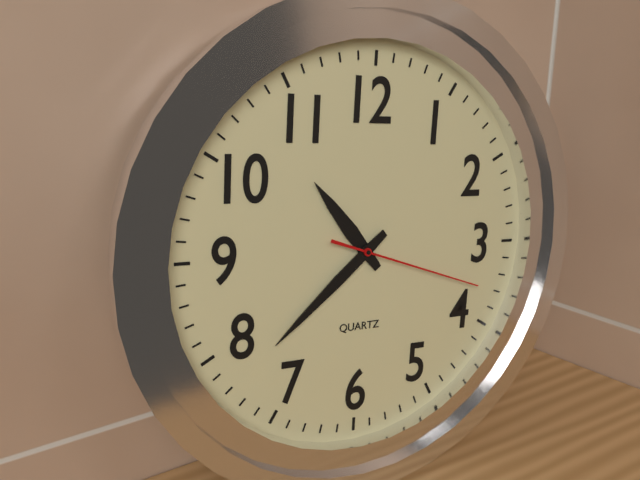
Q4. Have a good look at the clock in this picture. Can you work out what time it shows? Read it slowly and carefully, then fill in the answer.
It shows 10:38:18
